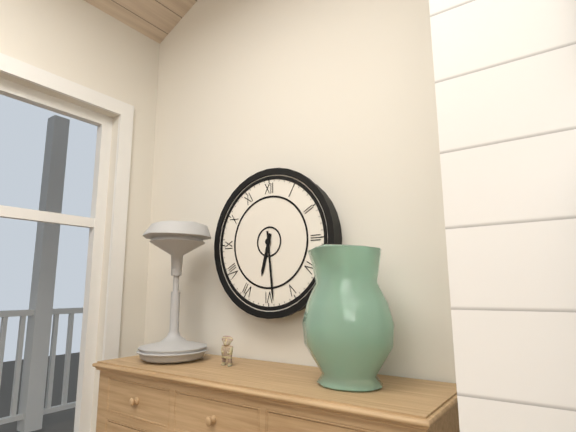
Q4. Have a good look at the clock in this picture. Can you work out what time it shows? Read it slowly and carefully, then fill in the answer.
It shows 6:29
